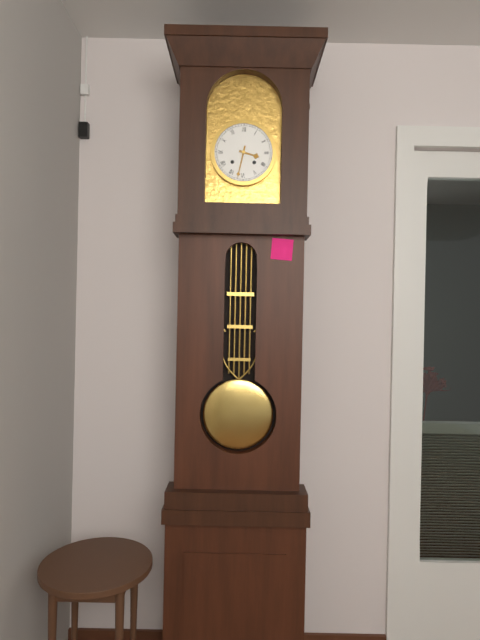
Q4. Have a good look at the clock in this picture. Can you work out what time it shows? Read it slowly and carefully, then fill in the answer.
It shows 3:32
